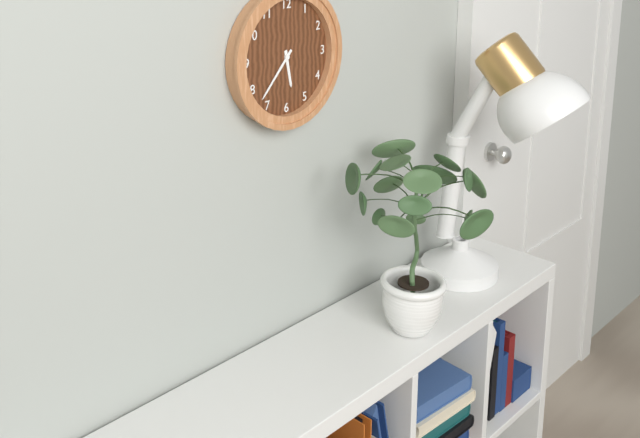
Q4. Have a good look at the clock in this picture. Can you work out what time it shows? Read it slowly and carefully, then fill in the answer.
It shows 5:37
